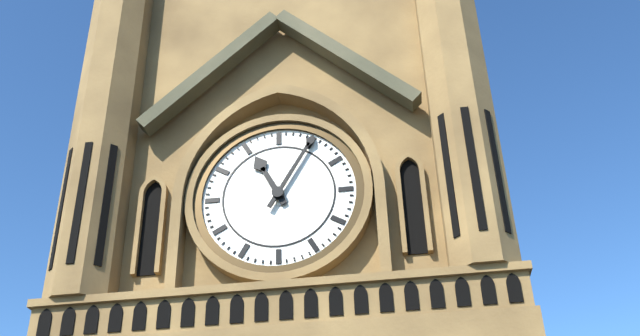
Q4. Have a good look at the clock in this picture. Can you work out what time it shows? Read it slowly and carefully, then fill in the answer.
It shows 11:05
